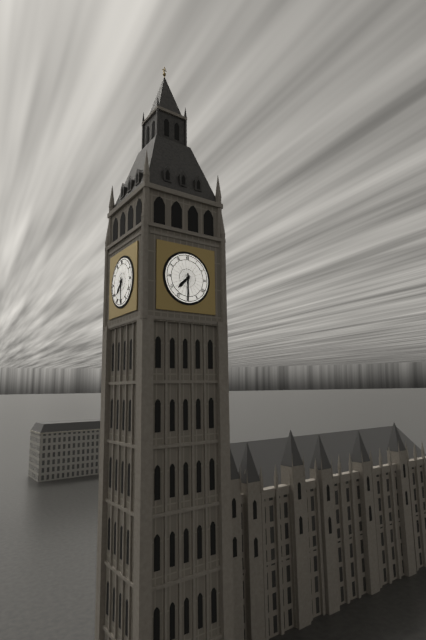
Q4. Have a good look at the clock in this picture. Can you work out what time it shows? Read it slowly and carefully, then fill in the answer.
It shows 7:30
